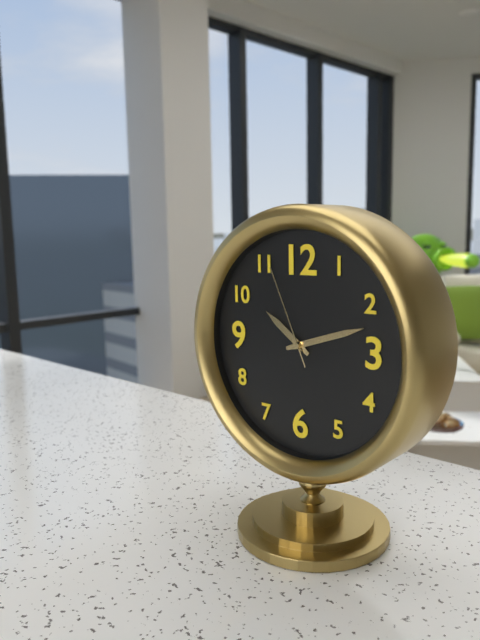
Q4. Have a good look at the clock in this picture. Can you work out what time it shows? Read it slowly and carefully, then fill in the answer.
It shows 10:12:56
